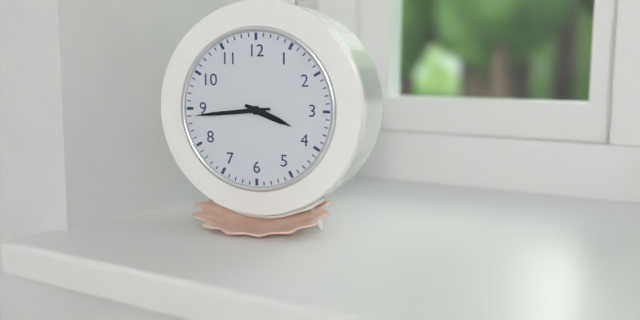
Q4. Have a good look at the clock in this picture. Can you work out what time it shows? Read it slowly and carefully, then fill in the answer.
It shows 3:44
